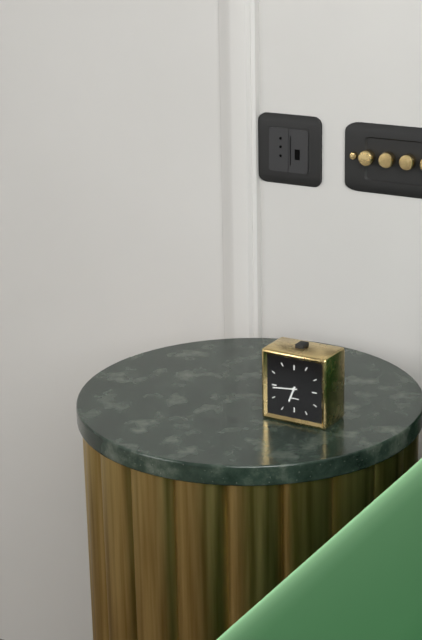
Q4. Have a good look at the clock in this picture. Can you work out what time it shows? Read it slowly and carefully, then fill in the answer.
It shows 6:44
